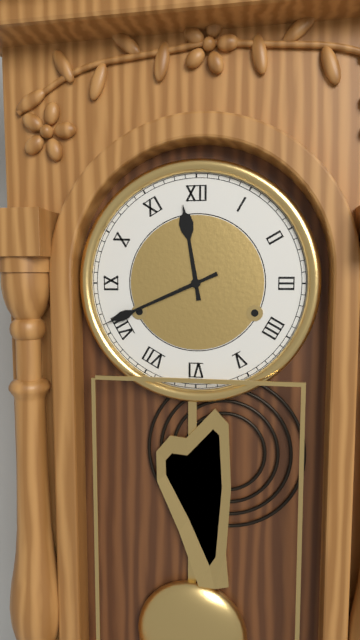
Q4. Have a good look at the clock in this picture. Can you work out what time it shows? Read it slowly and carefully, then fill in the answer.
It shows 11:41
